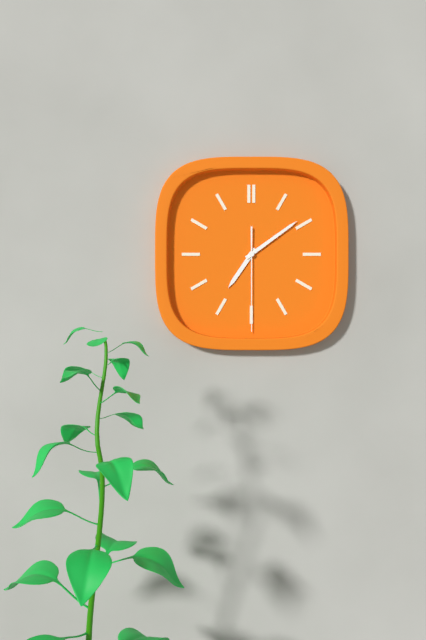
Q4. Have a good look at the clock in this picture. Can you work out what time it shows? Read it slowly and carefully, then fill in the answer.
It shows 7:09:30
